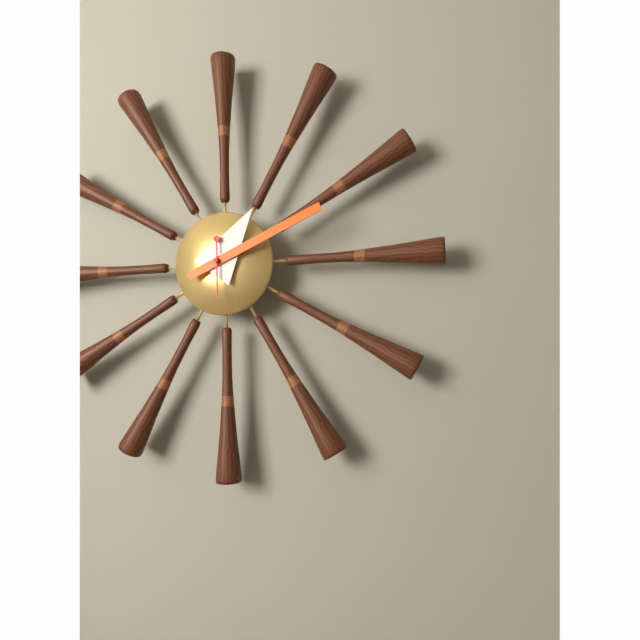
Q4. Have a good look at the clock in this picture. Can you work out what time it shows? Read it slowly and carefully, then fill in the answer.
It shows 1:11
